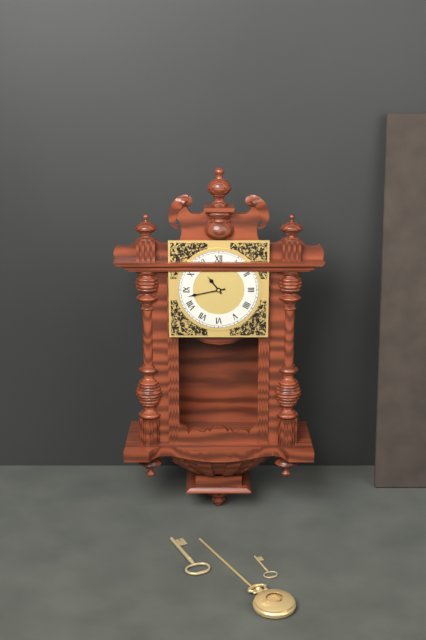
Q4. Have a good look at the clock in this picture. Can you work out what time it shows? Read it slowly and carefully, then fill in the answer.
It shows 10:43
